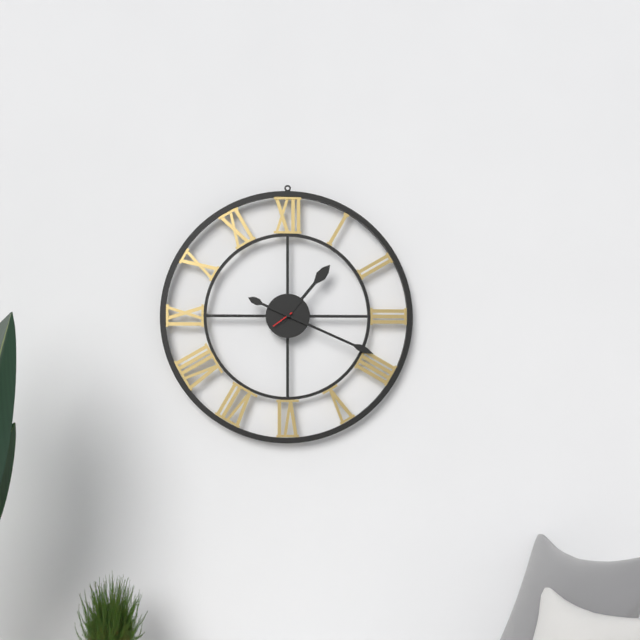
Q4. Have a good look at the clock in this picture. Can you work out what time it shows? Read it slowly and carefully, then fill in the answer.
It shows 1:19
